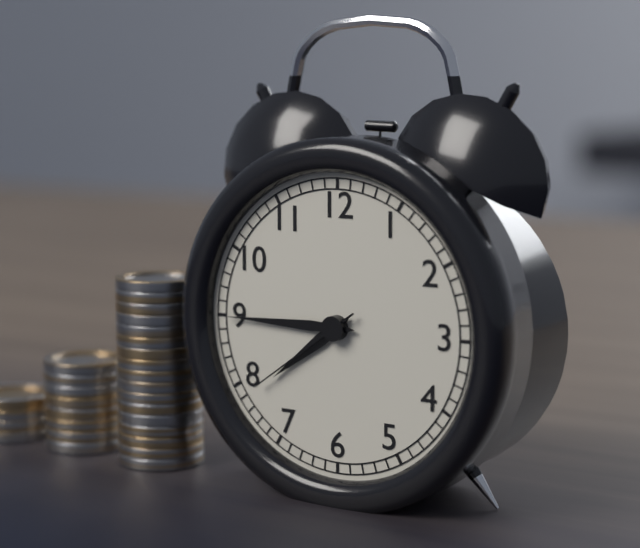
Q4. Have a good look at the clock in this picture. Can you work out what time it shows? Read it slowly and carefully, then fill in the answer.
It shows 7:45:39
